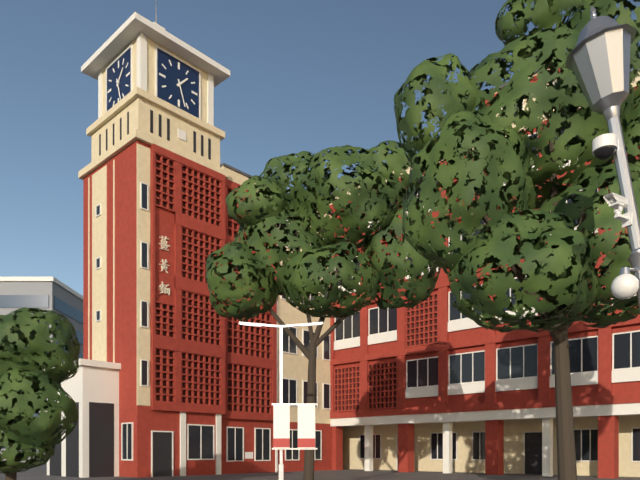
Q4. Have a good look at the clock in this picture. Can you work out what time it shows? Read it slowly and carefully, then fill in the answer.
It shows 1:27
